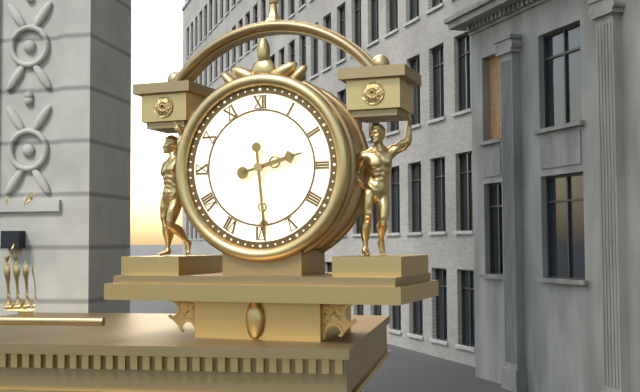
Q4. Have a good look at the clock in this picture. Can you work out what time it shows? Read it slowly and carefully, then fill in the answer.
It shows 2:29
